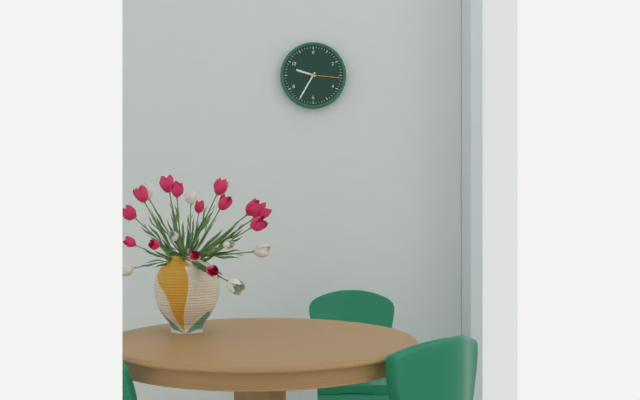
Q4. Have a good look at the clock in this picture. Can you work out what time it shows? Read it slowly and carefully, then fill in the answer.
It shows 9:35
